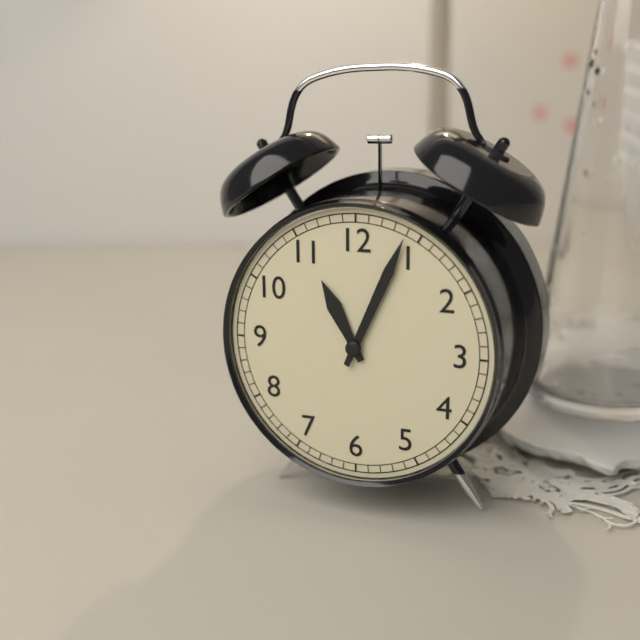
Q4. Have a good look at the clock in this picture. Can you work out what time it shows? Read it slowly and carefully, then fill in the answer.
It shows 11:04
